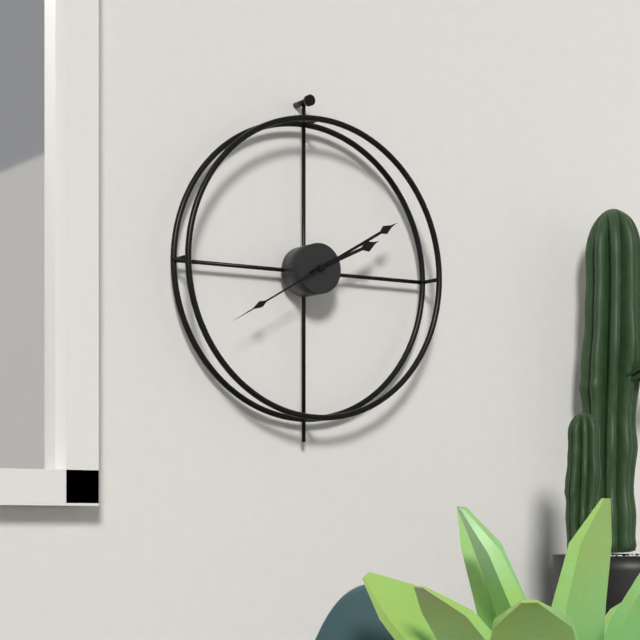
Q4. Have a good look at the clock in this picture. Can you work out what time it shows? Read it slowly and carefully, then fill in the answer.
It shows 2:10:40
